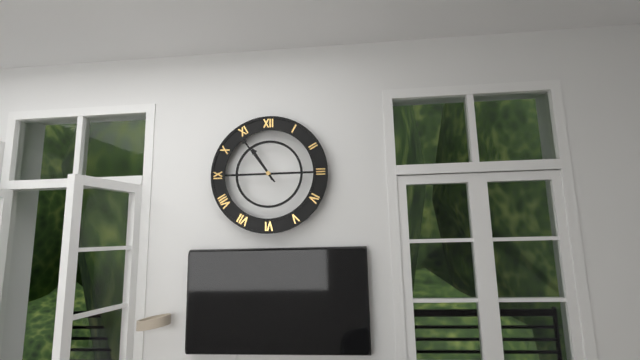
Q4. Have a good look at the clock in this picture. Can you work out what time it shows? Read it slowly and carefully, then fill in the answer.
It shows 10:54
